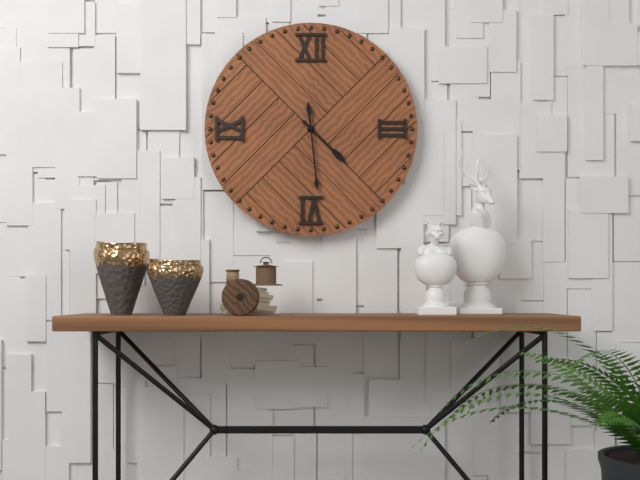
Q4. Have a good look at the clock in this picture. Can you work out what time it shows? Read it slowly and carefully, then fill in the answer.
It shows 4:29
